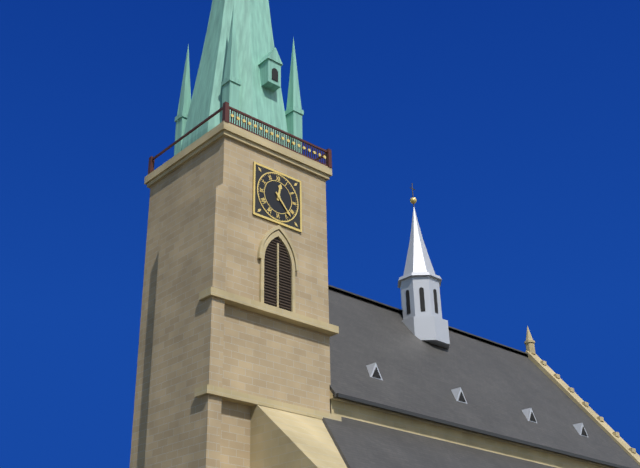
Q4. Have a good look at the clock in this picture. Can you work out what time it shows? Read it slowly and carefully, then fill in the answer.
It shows 12:23
